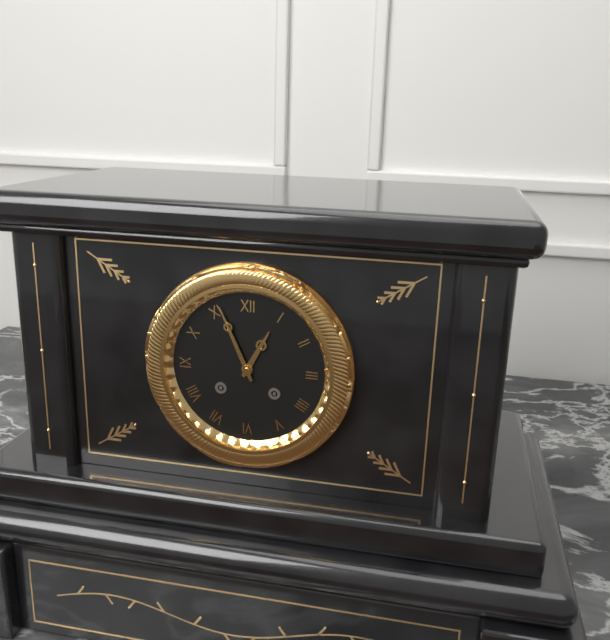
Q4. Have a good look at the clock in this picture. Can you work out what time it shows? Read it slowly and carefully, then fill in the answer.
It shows 12:56
